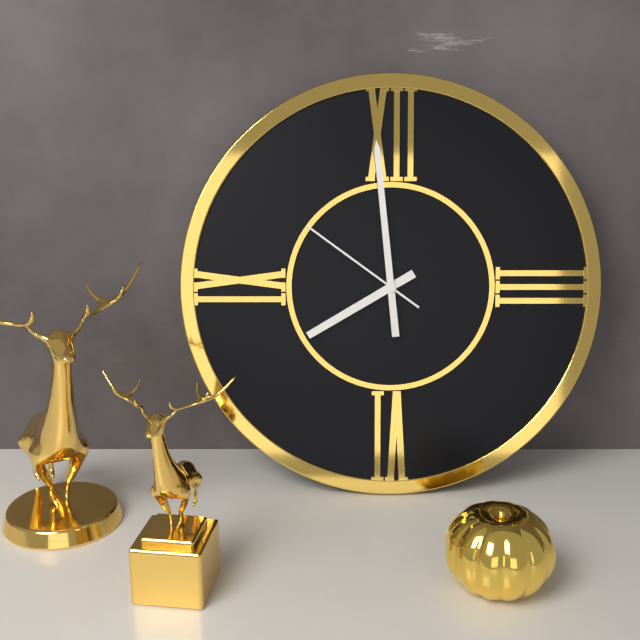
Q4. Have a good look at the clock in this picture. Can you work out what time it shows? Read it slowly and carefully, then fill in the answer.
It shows 7:59:51
